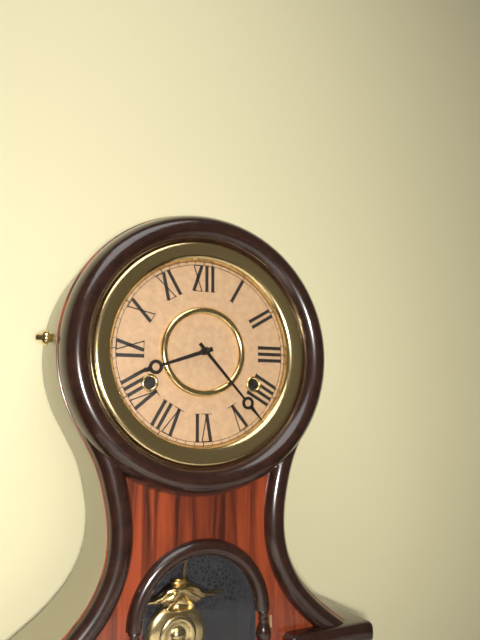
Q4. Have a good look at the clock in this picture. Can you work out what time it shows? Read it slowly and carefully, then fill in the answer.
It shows 8:23
